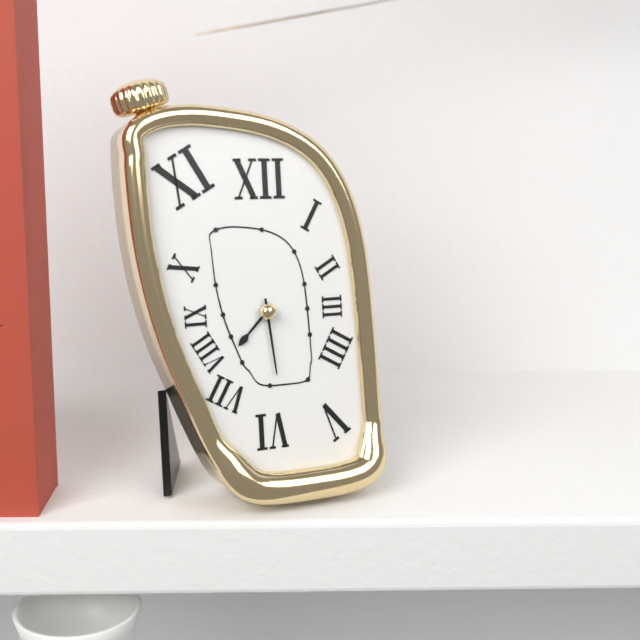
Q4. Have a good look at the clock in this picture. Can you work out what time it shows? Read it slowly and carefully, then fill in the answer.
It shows 7:29
